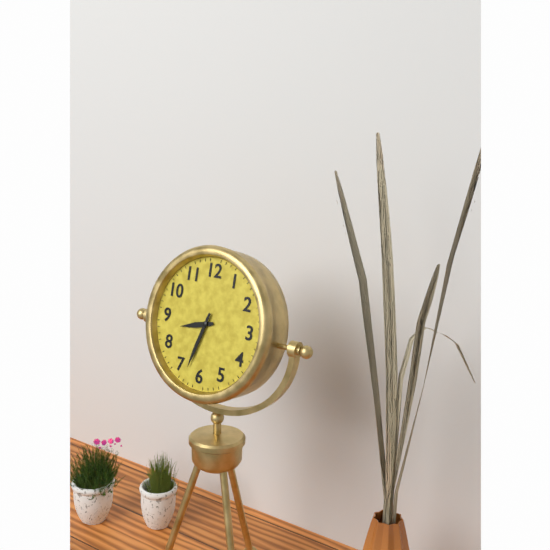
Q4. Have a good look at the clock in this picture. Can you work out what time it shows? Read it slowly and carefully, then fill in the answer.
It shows 8:33
